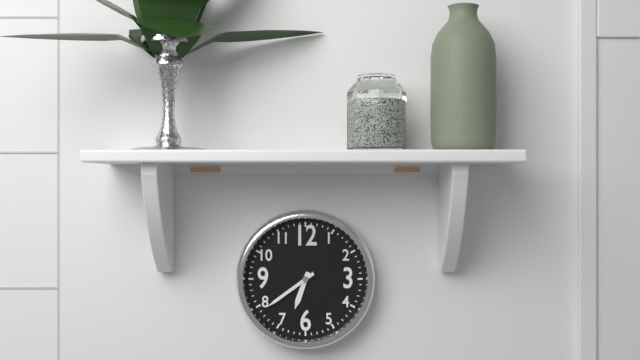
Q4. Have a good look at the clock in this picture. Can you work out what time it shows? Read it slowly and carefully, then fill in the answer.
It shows 6:39
